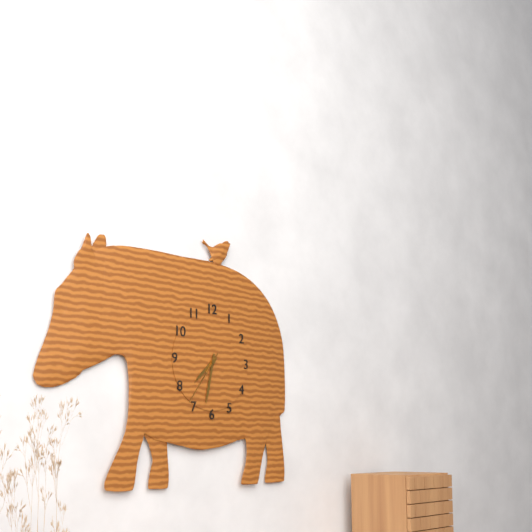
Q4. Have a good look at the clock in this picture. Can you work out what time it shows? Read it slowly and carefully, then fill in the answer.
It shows 7:32:36
